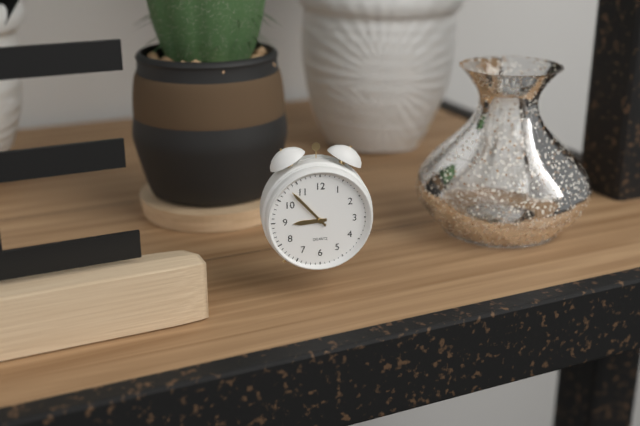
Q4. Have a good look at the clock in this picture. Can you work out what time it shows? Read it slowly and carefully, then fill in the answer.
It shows 8:53
